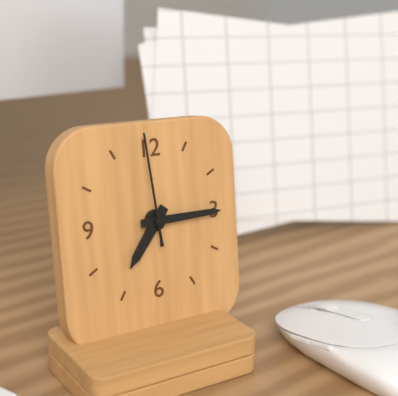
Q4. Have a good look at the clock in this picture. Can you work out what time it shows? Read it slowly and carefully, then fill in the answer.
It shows 7:15:59
